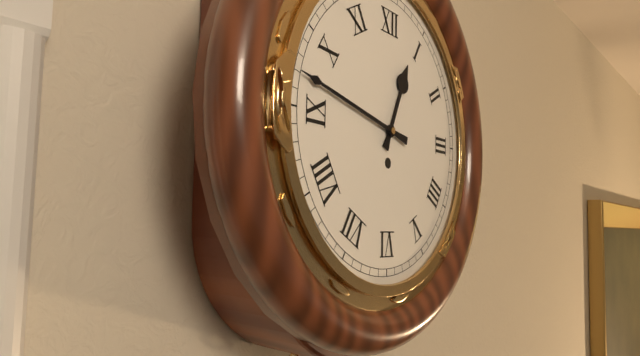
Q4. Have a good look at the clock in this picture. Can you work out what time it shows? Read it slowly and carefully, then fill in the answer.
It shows 12:47
